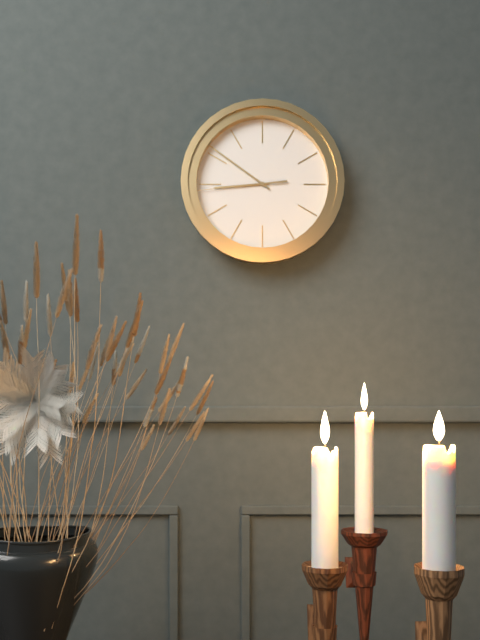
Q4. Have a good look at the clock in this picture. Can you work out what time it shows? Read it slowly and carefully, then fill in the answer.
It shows 8:51:44
